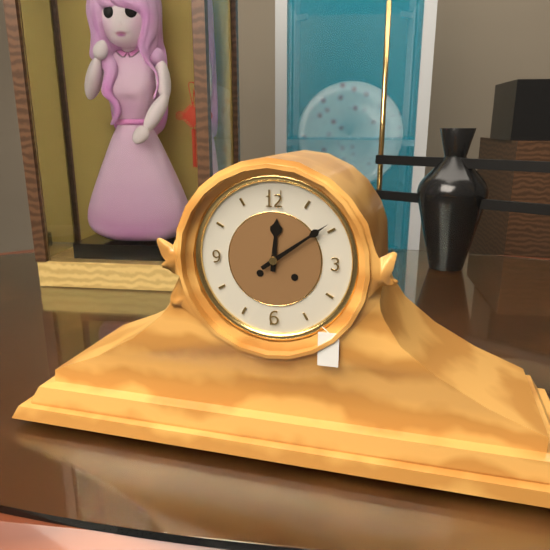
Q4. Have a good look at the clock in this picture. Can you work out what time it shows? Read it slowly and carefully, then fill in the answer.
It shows 12:09
